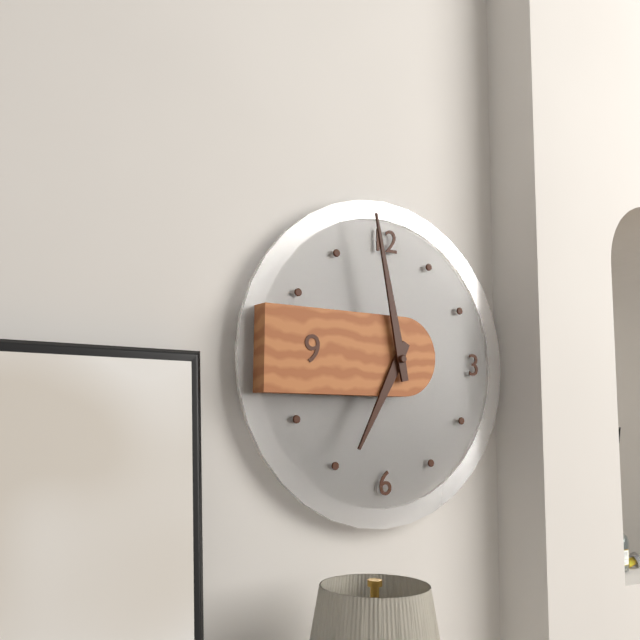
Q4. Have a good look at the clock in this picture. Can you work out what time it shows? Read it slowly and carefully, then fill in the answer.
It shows 6:58
